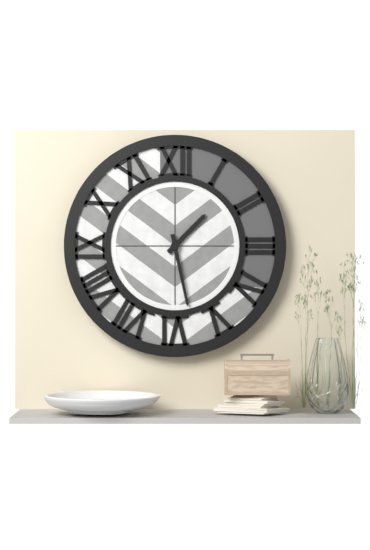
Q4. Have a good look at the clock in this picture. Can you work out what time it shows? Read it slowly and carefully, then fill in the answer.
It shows 1:28
